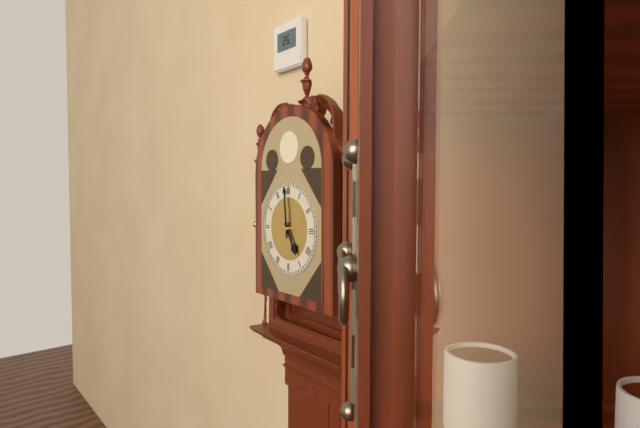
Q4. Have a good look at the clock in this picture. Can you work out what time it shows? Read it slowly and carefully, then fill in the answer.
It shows 4:59
